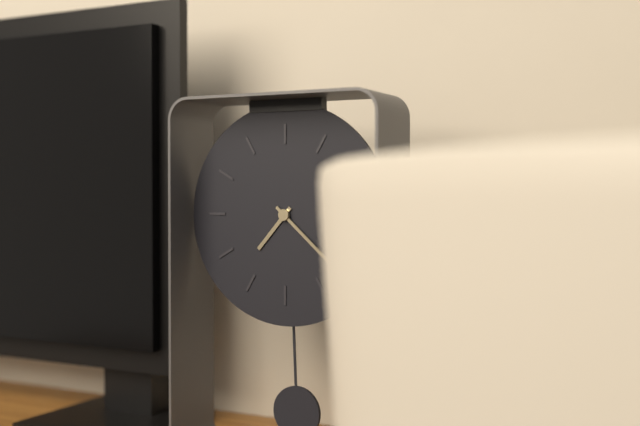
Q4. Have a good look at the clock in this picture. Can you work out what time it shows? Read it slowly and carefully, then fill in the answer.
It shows 7:22
